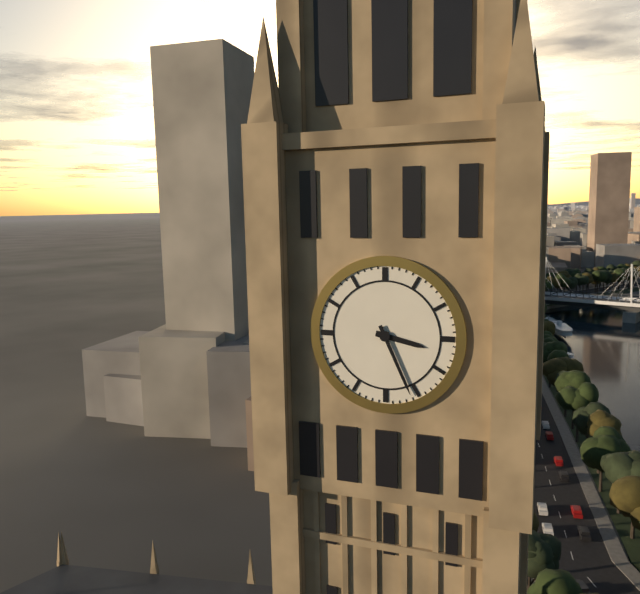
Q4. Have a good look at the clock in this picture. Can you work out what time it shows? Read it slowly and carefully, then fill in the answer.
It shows 3:26
